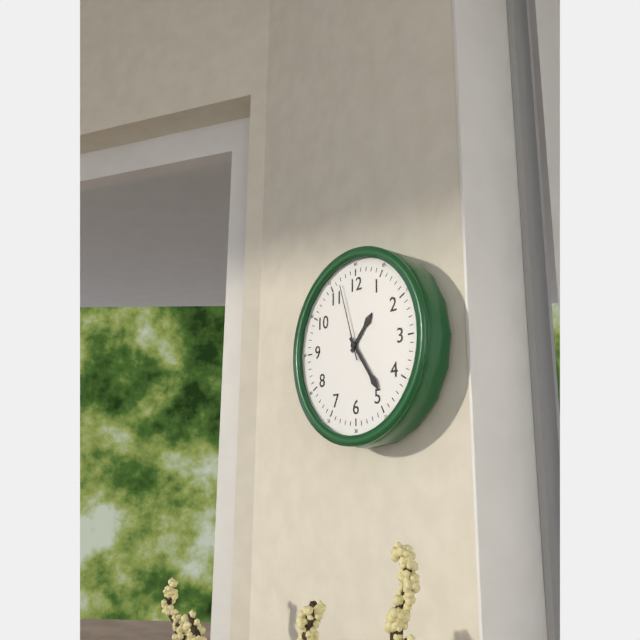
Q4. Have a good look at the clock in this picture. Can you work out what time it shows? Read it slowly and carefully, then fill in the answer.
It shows 1:24:57
